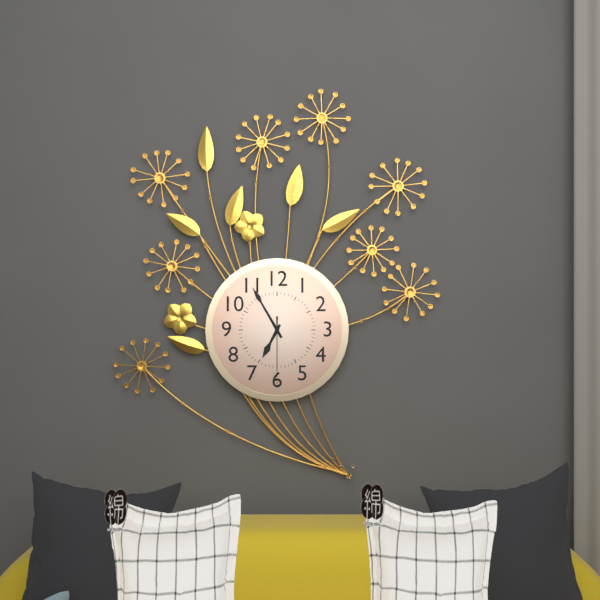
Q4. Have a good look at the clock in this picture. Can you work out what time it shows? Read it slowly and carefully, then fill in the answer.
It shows 6:55:30
